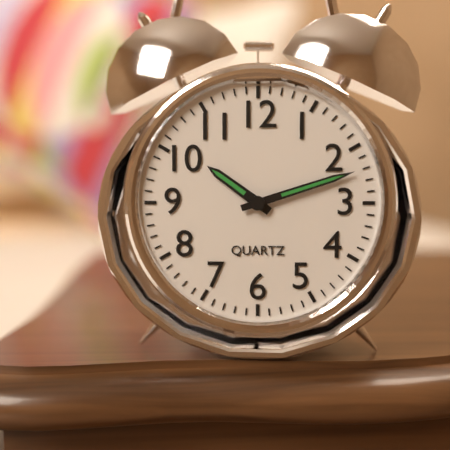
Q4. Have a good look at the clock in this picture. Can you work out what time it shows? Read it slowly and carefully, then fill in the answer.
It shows 10:12
